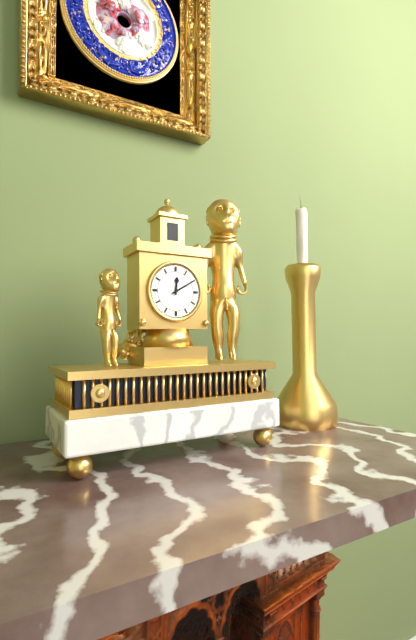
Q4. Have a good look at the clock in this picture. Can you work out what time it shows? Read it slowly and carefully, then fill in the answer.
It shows 12:10
